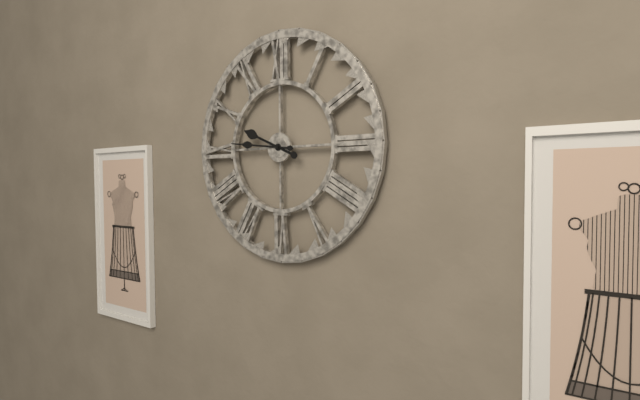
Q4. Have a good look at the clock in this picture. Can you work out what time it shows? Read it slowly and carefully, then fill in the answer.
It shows 9:46
